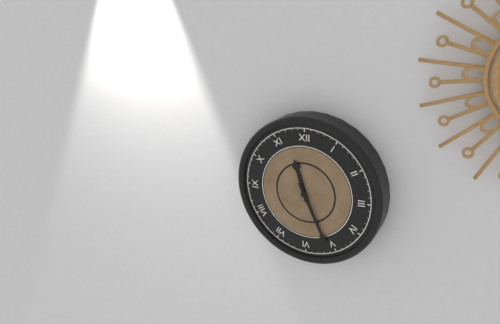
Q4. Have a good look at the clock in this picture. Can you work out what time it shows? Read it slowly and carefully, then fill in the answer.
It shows 11:26
